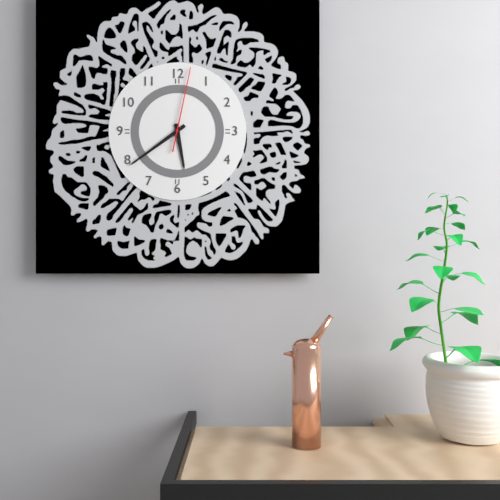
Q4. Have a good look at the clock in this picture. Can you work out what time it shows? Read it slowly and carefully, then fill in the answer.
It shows 5:39:02
